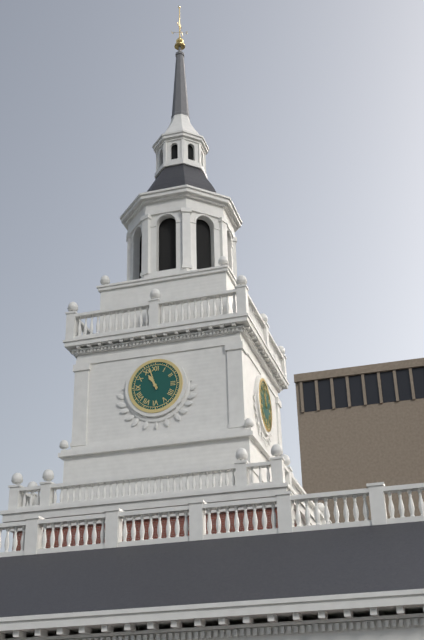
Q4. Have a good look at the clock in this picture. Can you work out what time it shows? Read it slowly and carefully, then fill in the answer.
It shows 10:57
